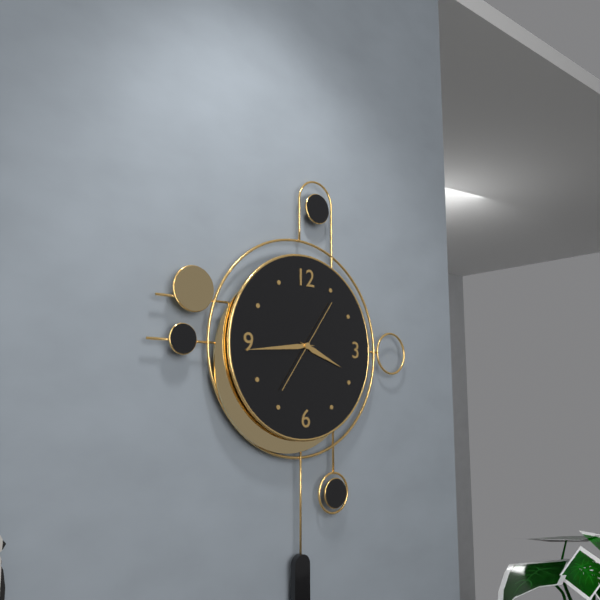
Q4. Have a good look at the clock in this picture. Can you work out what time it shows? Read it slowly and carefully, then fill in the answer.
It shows 3:44:06
